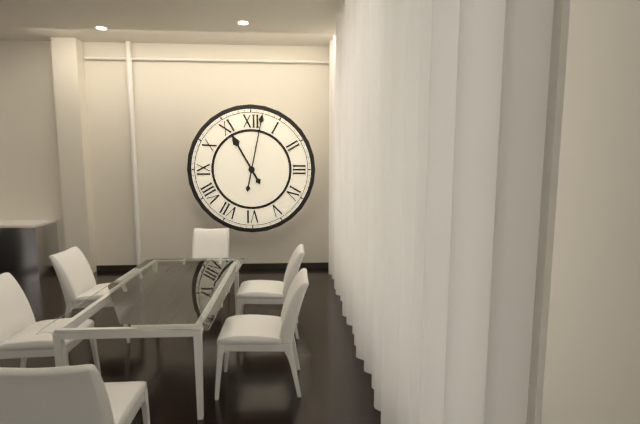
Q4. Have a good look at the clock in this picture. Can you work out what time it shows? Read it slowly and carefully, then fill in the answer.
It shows 11:02
